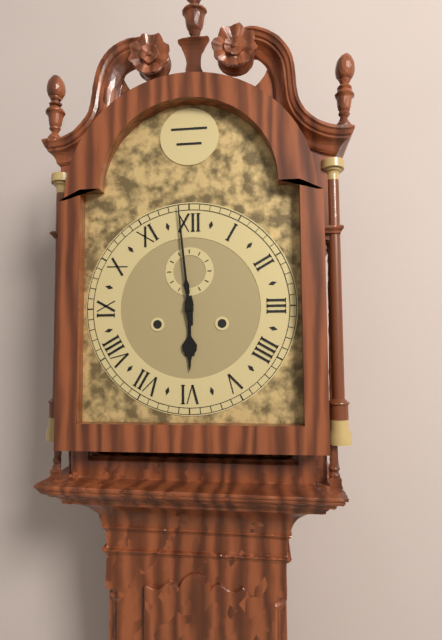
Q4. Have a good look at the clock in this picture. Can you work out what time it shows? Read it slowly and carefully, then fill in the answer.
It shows 5:59
